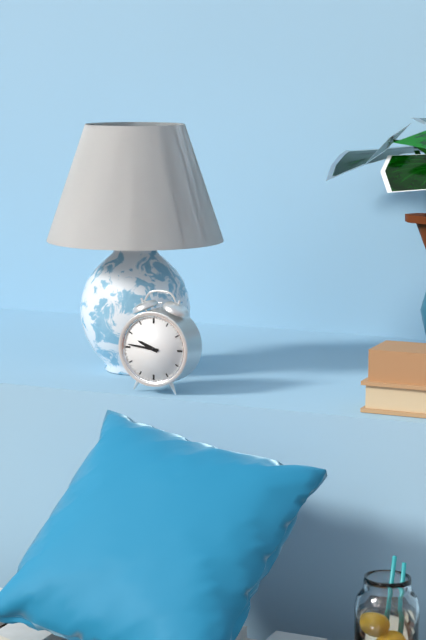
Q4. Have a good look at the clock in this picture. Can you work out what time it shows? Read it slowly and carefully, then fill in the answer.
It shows 9:46
